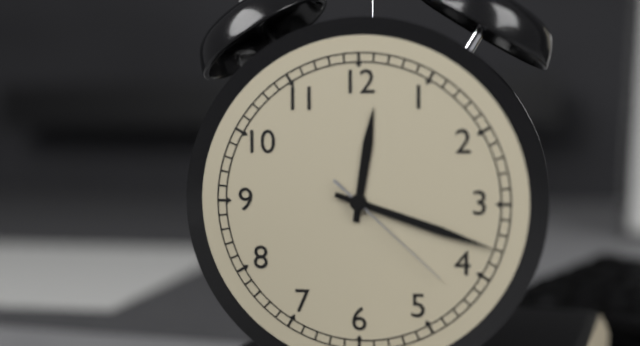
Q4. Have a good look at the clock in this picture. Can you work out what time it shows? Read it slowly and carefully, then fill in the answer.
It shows 12:18:22
